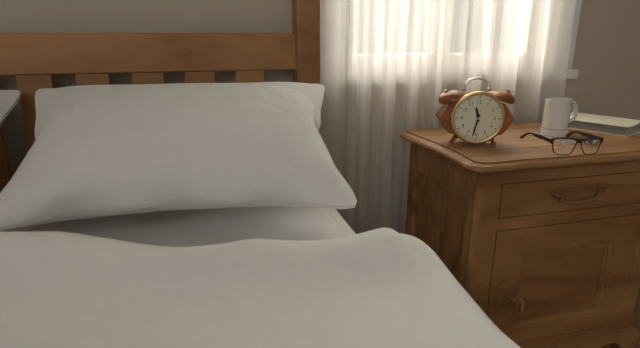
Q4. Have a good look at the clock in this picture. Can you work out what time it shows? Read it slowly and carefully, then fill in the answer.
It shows 11:32
